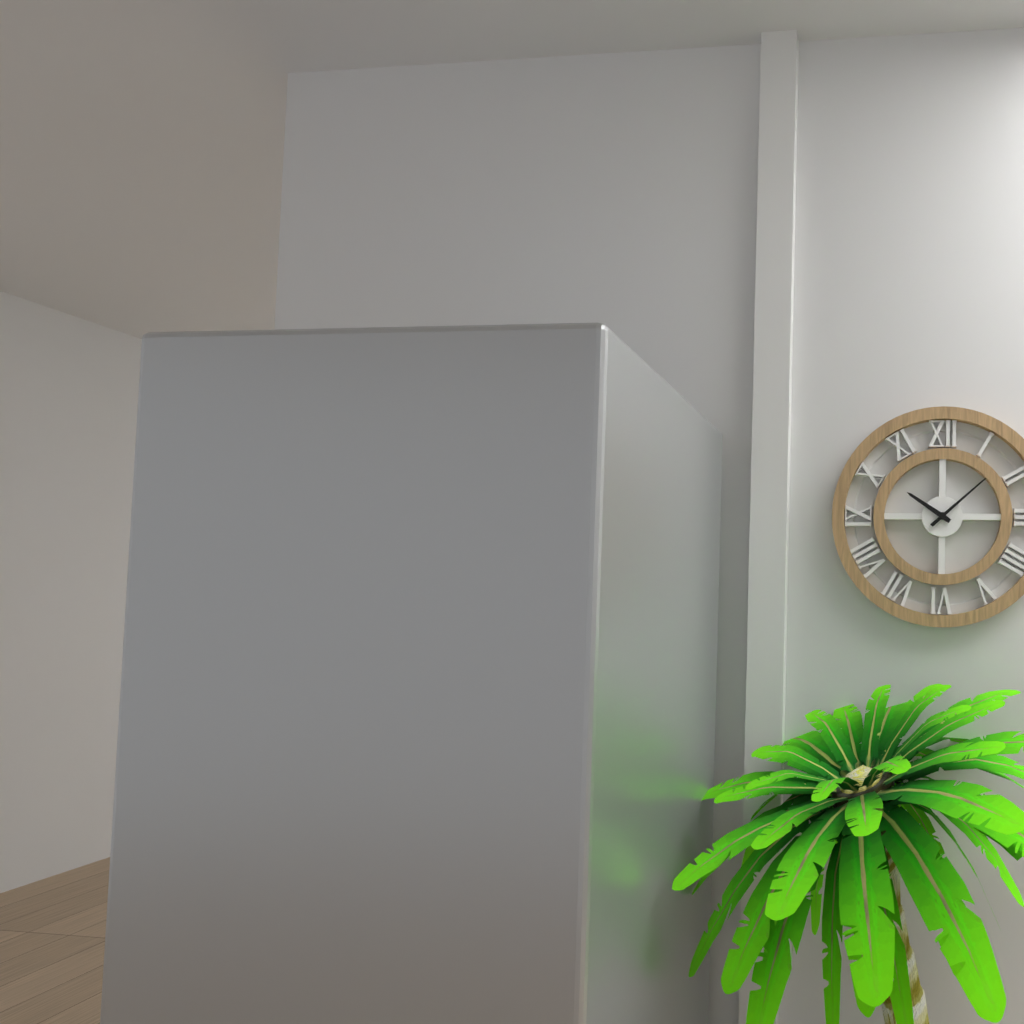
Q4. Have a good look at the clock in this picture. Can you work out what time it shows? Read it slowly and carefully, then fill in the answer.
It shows 10:08
